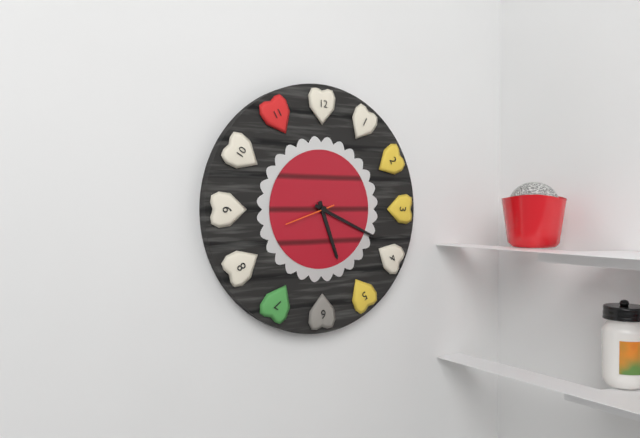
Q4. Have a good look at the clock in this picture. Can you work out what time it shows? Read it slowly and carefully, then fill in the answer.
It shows 5:19:42
